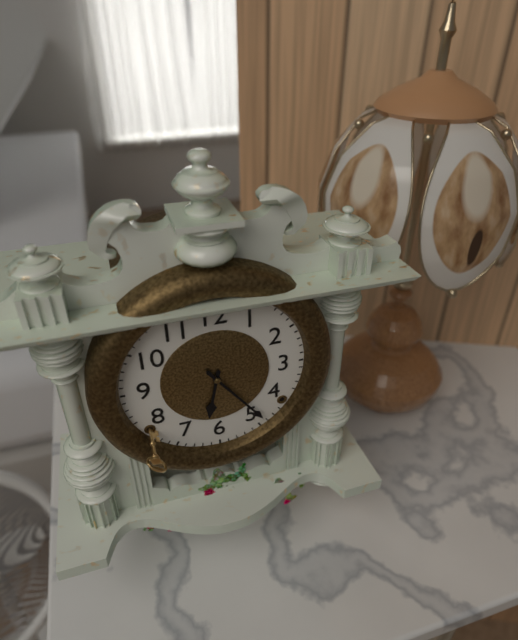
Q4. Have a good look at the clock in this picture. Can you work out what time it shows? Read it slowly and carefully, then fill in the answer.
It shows 6:24
